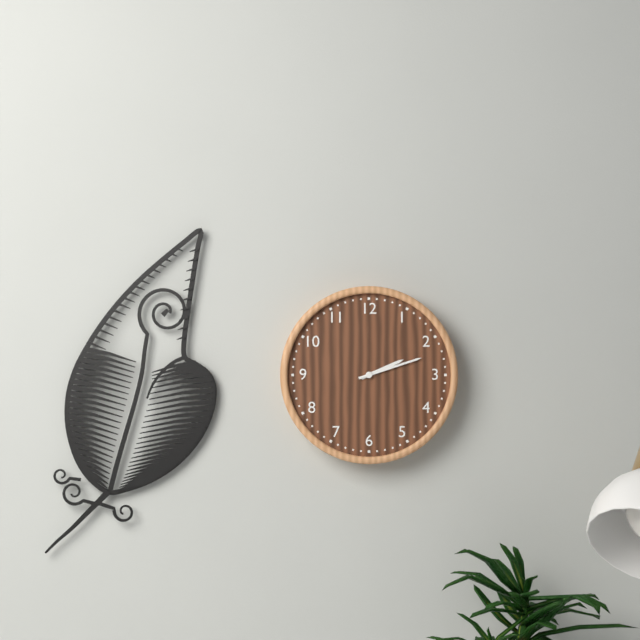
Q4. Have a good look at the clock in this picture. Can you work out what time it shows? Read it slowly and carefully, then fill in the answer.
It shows 2:12
